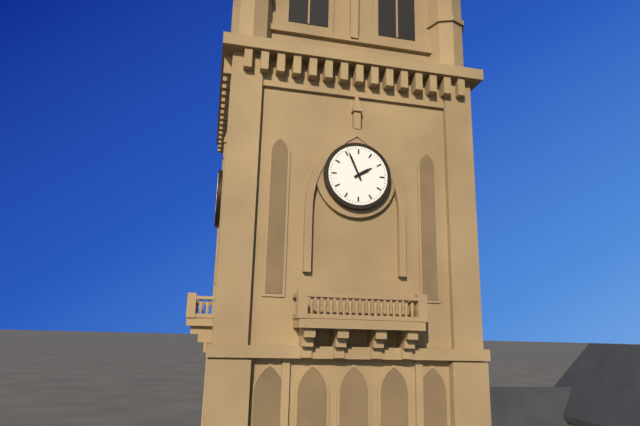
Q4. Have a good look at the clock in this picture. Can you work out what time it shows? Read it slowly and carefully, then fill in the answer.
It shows 1:56
